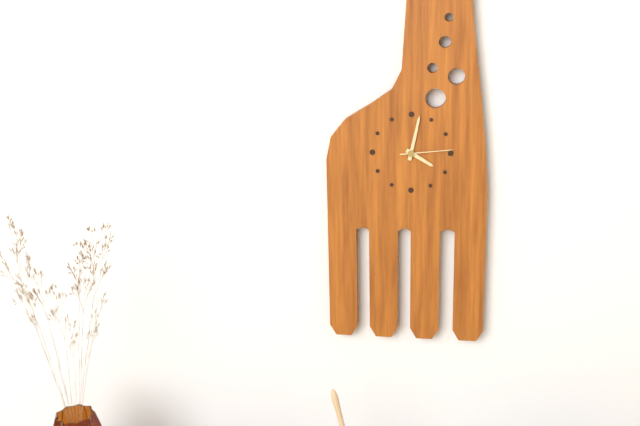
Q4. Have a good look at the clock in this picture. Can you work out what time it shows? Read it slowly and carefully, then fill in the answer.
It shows 4:02:14
